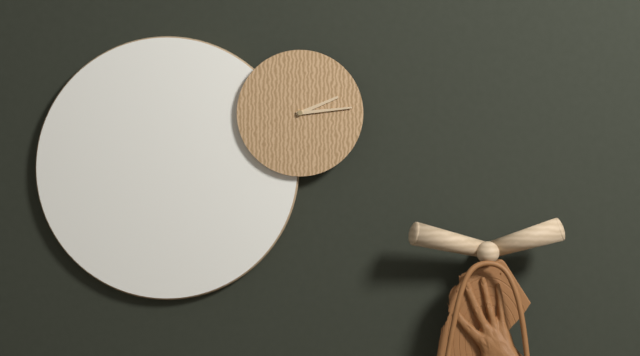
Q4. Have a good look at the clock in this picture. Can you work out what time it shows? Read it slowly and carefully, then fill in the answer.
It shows 2:14
